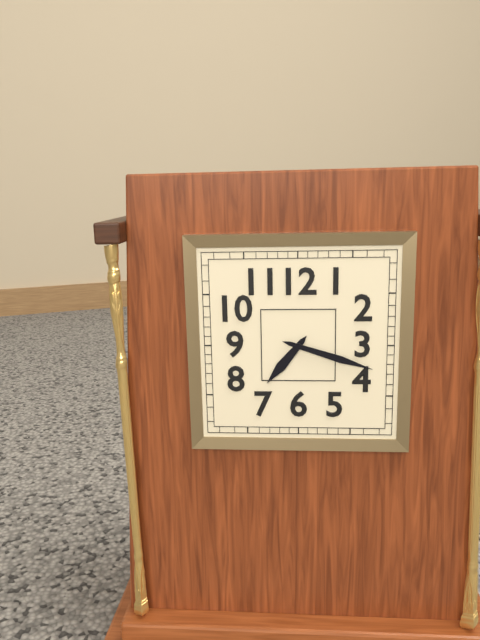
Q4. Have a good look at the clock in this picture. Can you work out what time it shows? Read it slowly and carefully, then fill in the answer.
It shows 7:18
